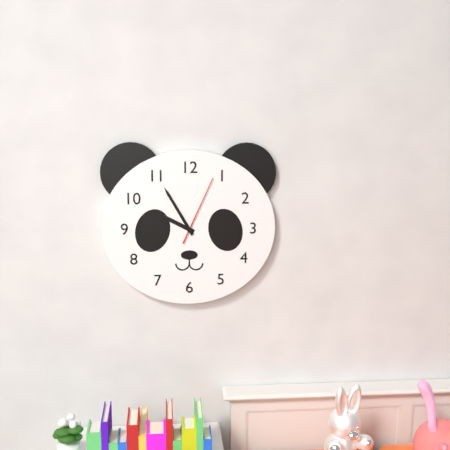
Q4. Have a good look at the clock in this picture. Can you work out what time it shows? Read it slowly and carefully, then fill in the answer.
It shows 9:55:04
